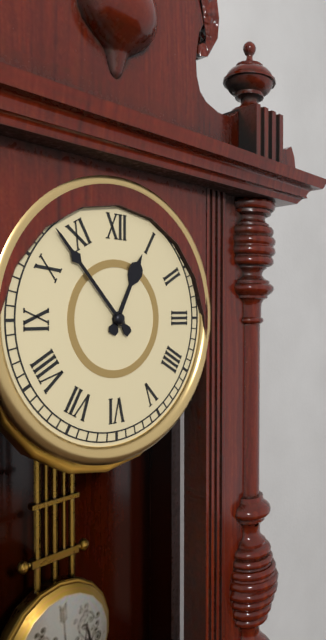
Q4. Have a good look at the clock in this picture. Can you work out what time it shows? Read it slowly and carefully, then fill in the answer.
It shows 12:53
